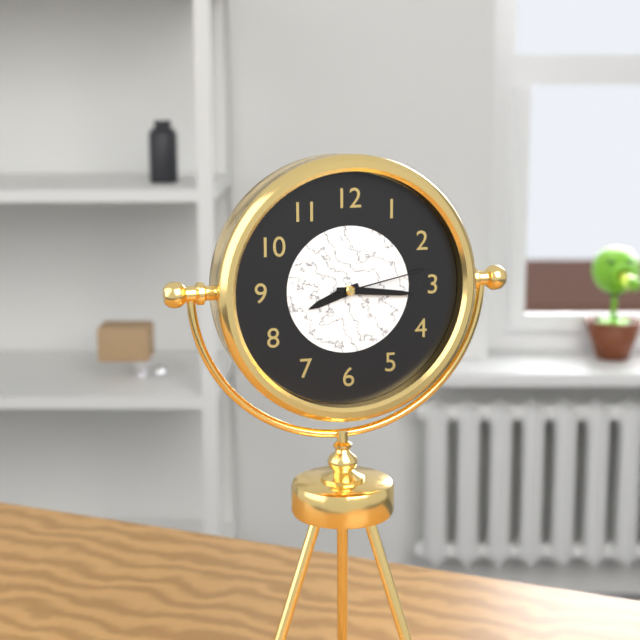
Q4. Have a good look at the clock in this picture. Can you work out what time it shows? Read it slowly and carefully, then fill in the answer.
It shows 8:16:13
